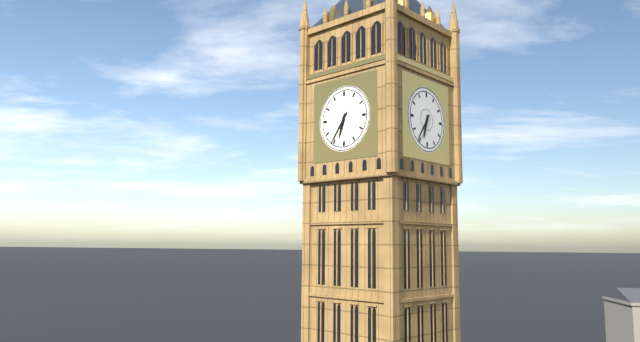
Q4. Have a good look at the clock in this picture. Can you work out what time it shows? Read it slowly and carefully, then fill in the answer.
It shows 6:36
